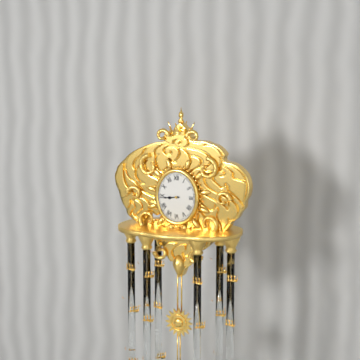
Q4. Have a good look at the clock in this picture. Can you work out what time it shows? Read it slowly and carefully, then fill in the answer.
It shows 8:44
